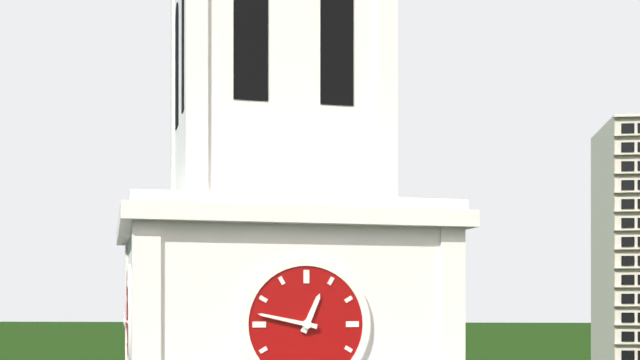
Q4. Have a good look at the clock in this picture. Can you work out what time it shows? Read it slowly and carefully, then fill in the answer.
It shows 12:47
